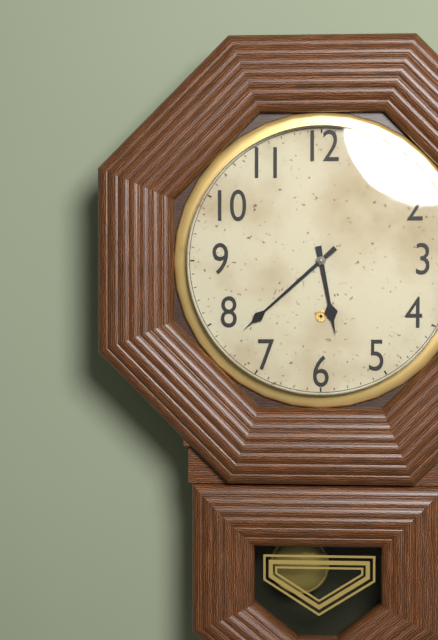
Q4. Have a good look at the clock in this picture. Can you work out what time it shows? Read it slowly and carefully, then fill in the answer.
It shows 5:38
